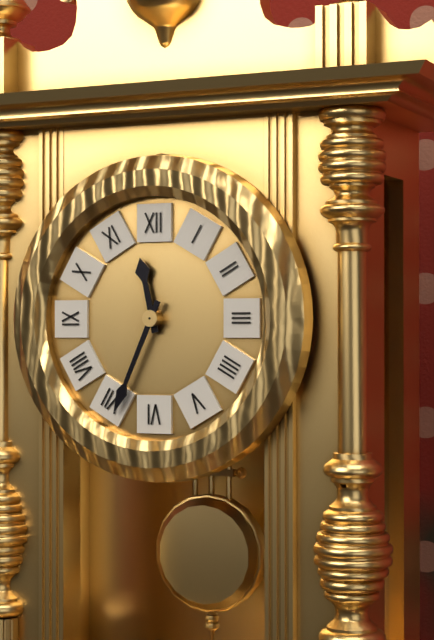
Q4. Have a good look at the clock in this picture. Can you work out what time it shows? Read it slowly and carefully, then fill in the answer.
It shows 11:34
